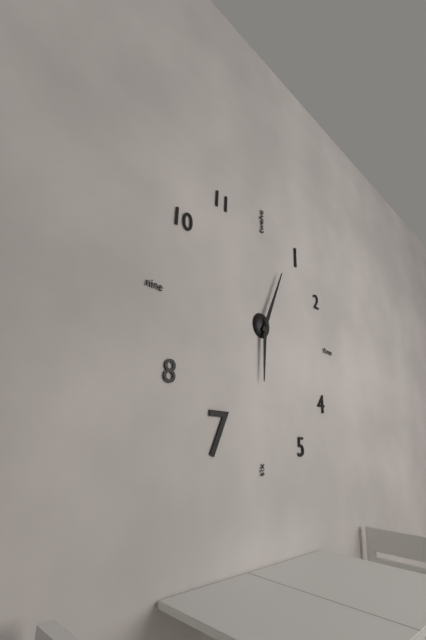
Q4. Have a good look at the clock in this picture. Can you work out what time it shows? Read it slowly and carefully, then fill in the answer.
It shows 6:04
